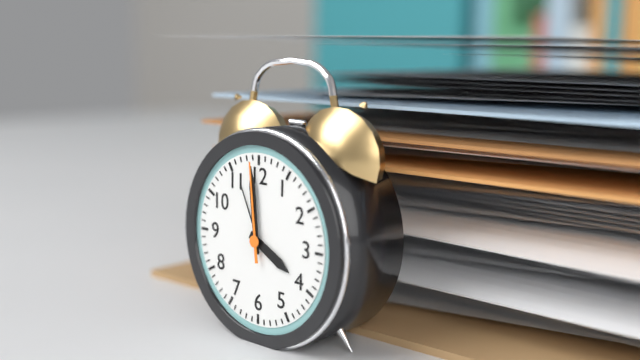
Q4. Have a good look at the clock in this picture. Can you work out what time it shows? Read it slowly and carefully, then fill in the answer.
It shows 3:59:59
